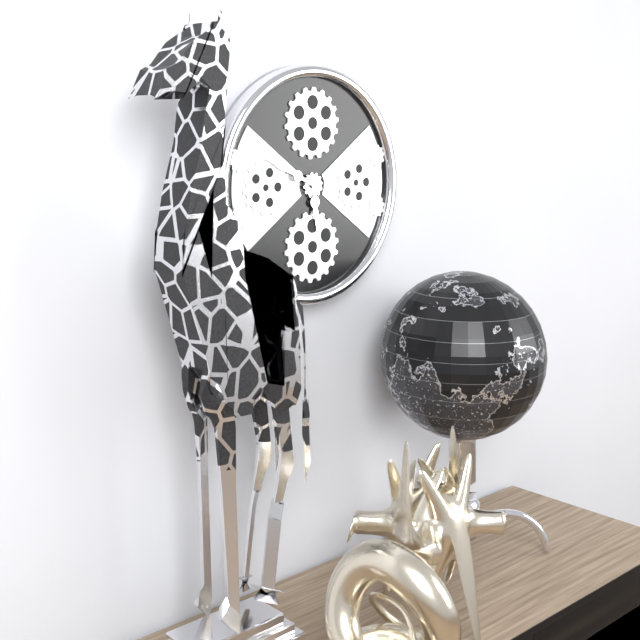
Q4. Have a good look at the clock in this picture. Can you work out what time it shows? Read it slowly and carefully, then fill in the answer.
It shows 5:49
